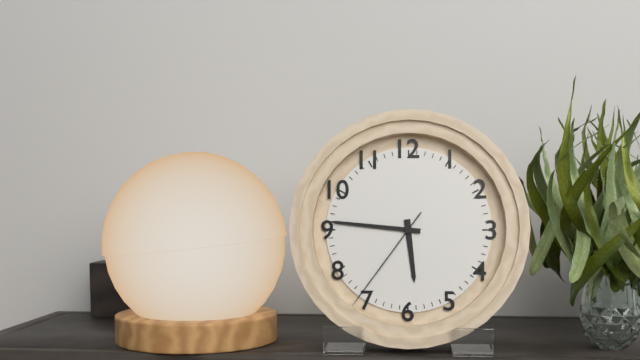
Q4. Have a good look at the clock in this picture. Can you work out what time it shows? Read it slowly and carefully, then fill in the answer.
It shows 5:46:36
